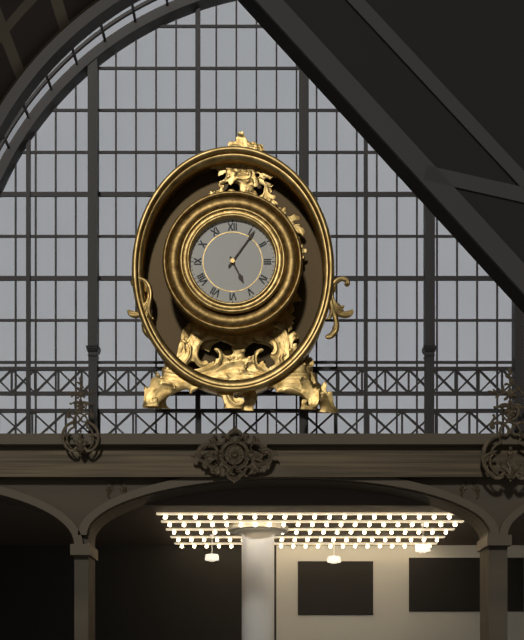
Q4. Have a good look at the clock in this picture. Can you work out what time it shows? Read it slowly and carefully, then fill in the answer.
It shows 5:06
